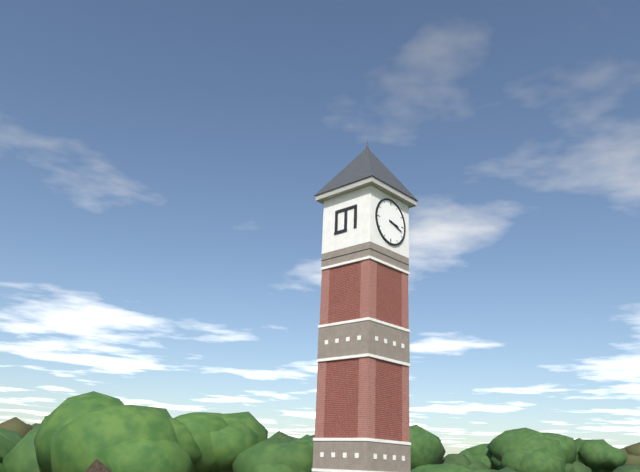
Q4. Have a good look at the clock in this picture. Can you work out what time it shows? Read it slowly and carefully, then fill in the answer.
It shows 3:18
